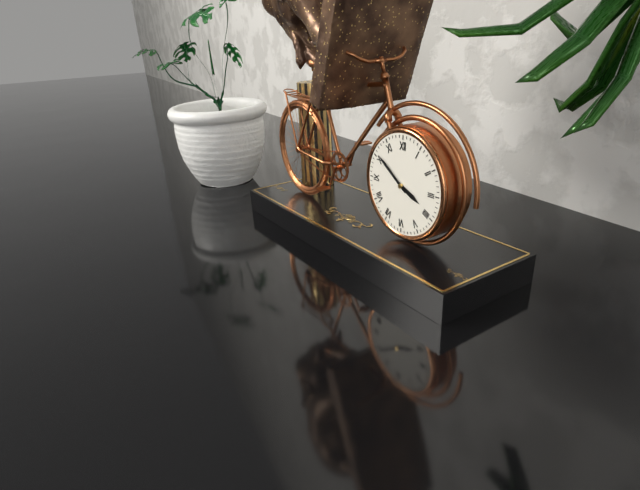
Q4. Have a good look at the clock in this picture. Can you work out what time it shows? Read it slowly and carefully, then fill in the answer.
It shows 3:51
